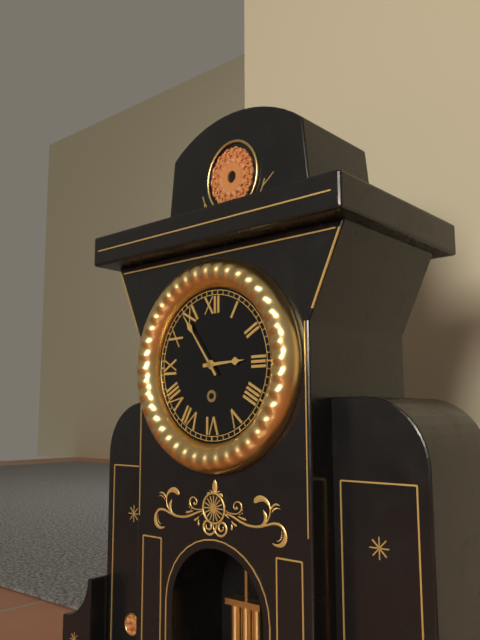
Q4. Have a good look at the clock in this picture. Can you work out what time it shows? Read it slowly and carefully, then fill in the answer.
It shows 2:54
